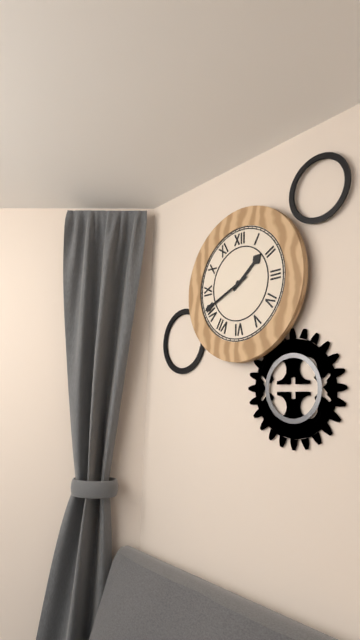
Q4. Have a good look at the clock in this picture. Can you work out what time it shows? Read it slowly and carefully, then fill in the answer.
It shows 1:41
